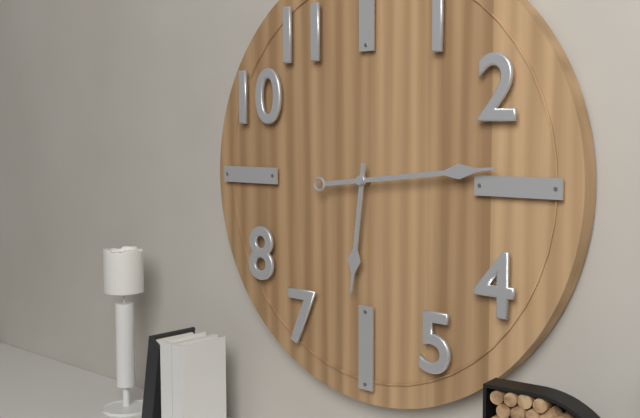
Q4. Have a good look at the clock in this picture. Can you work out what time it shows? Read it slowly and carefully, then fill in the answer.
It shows 6:14
